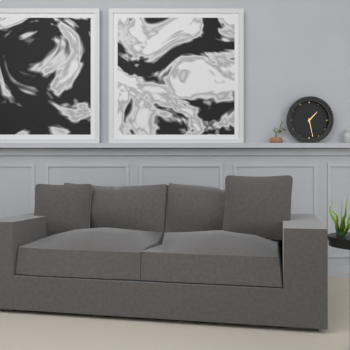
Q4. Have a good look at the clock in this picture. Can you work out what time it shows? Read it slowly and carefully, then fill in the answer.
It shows 1:28
